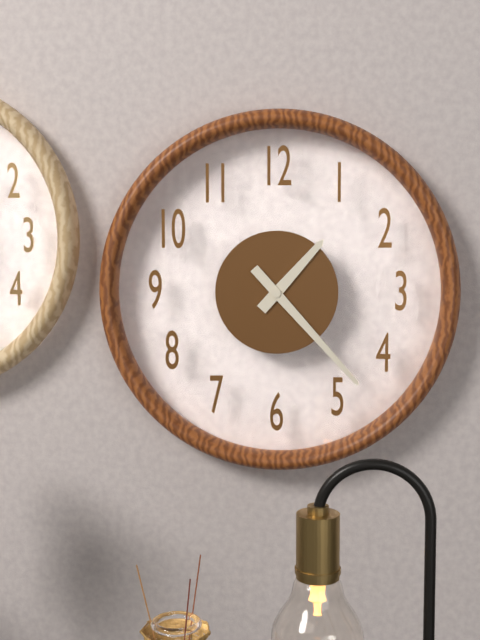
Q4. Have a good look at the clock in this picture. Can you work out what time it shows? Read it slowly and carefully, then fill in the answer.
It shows 1:23
